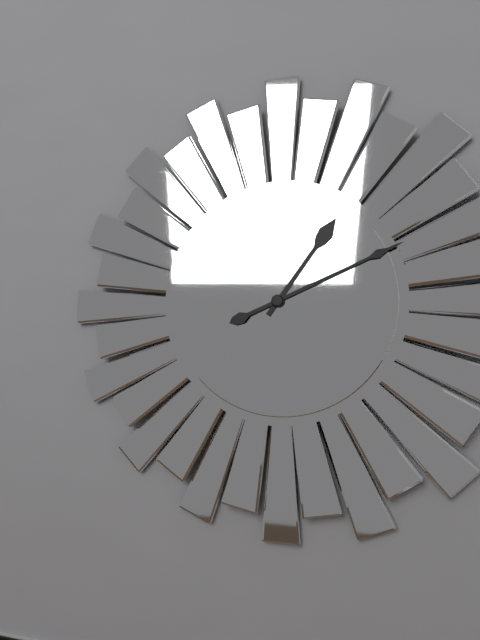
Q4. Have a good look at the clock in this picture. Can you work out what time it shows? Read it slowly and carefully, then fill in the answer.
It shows 1:11
